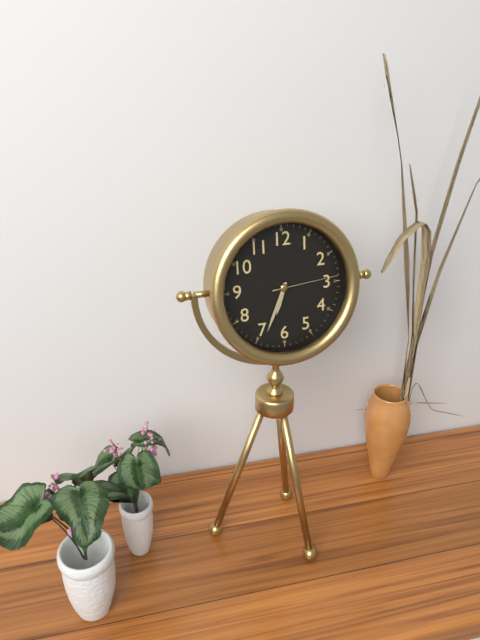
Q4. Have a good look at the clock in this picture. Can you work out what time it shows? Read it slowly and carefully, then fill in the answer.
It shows 6:34:14
